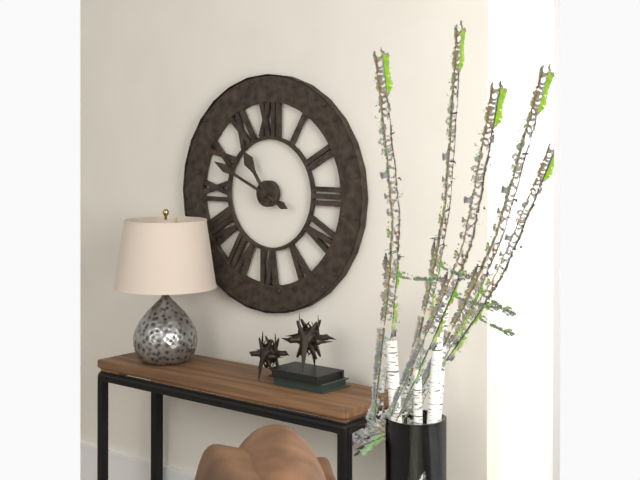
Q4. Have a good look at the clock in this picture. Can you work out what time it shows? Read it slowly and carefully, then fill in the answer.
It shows 10:49
